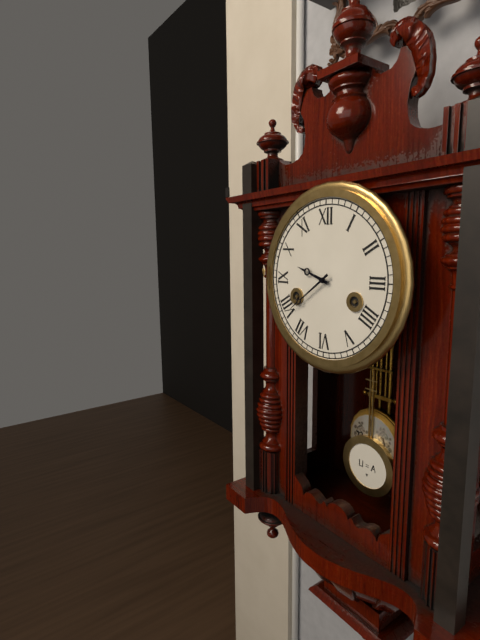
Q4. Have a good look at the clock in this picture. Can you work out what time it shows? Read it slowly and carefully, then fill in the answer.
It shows 9:39
